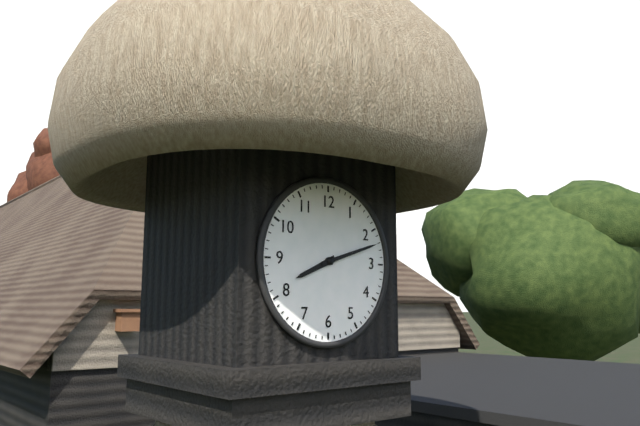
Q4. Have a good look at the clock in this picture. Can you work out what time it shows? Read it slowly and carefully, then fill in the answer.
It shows 8:12
